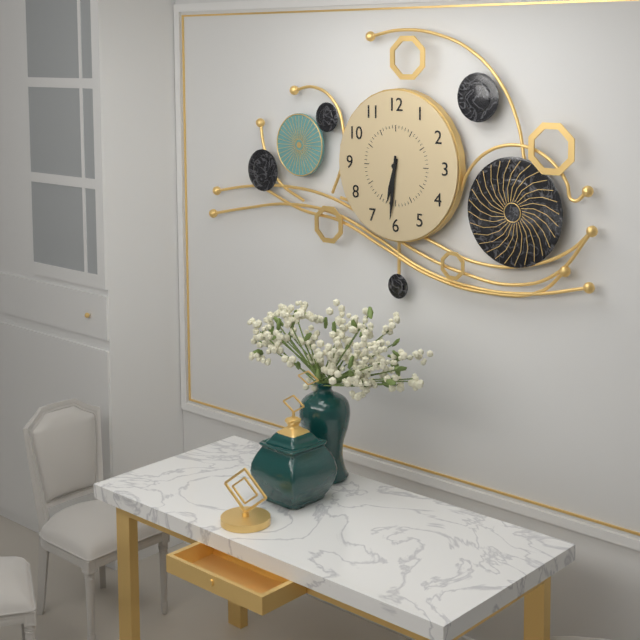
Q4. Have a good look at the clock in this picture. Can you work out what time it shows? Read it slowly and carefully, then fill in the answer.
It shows 6:31
